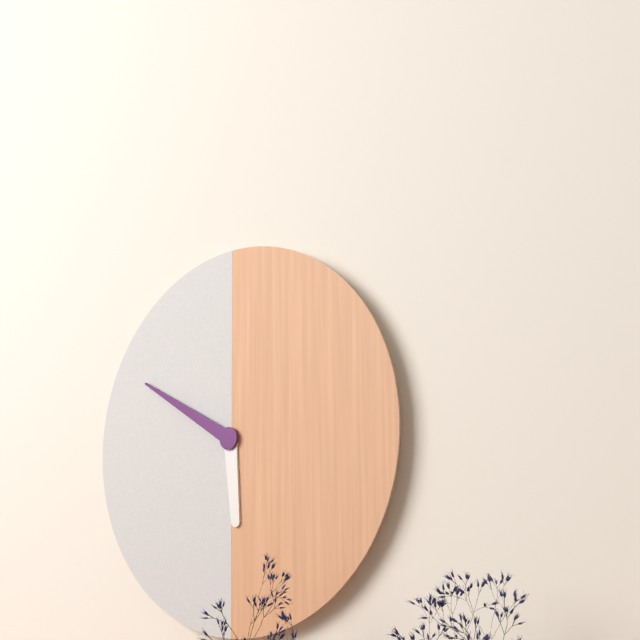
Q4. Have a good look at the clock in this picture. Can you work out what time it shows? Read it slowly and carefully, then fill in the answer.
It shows 5:50
